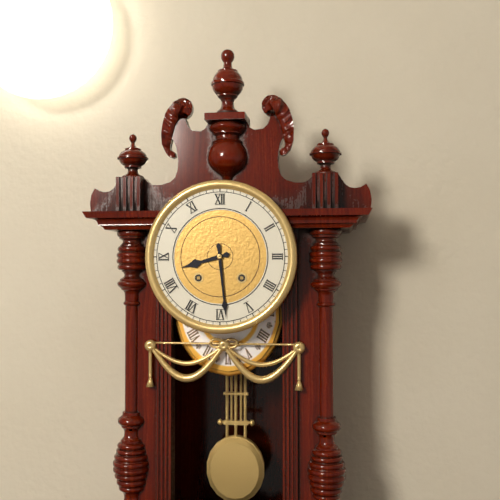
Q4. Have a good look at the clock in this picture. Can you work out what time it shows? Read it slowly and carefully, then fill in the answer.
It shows 8:29
